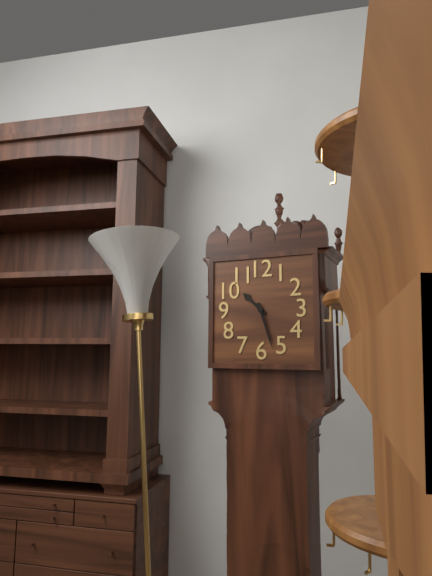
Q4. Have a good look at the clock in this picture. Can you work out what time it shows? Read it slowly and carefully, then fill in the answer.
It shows 10:27
